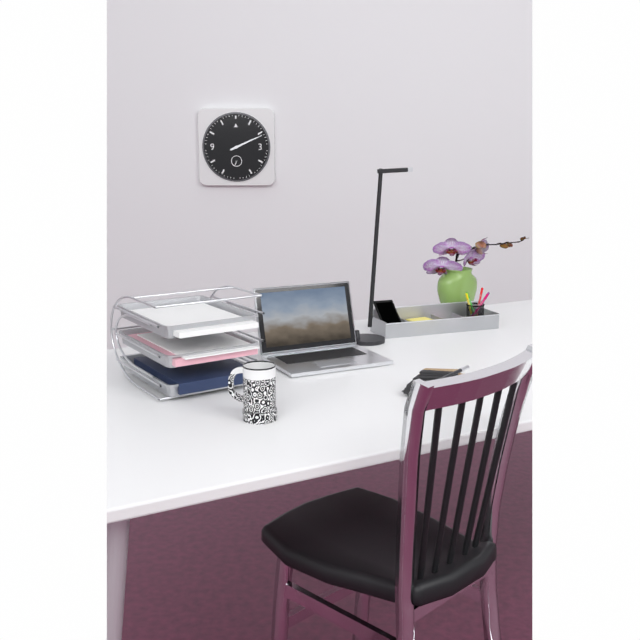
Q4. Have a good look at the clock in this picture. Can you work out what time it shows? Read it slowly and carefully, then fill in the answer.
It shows 2:11
